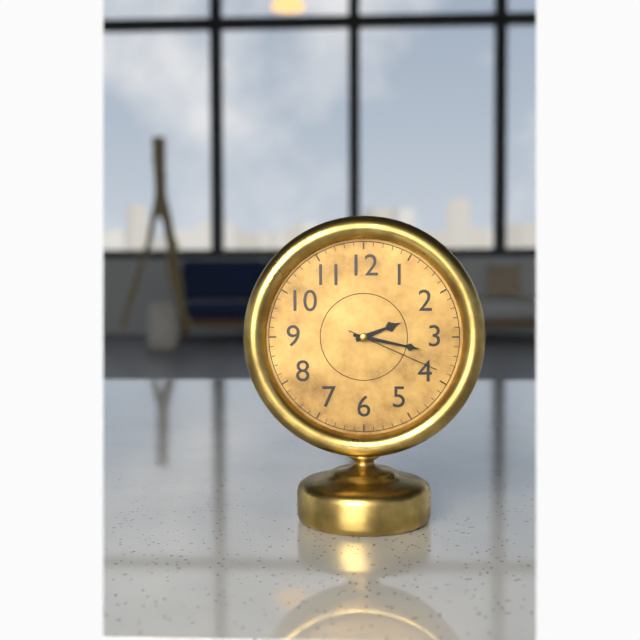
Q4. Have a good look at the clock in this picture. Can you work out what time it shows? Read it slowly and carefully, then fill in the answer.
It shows 2:17:19
